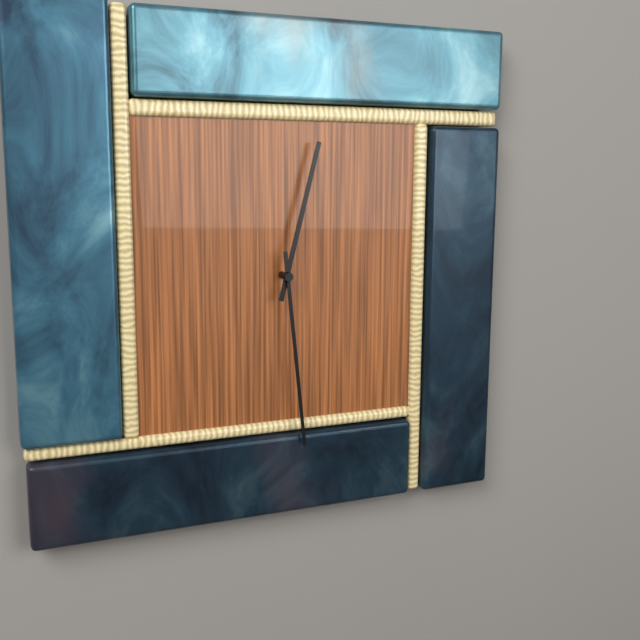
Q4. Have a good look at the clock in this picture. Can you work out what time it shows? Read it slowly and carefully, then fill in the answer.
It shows 12:29
